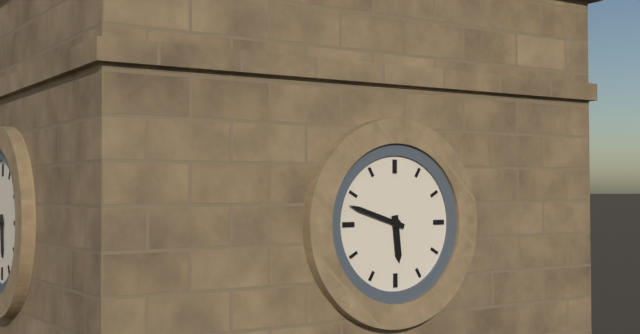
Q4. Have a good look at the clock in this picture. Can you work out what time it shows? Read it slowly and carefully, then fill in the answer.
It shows 5:48
